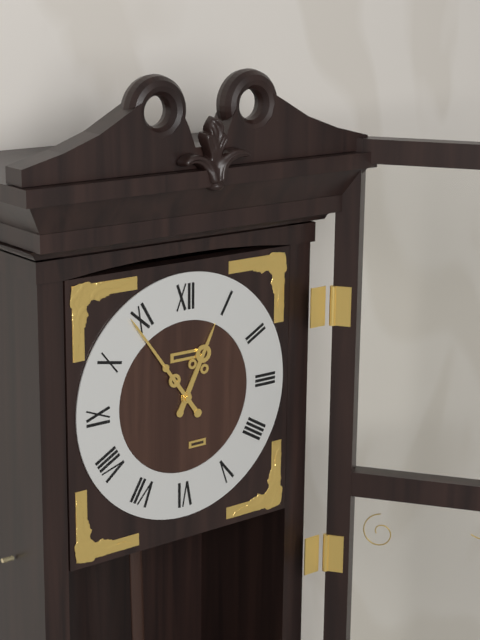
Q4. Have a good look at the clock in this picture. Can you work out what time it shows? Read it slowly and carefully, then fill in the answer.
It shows 12:54
